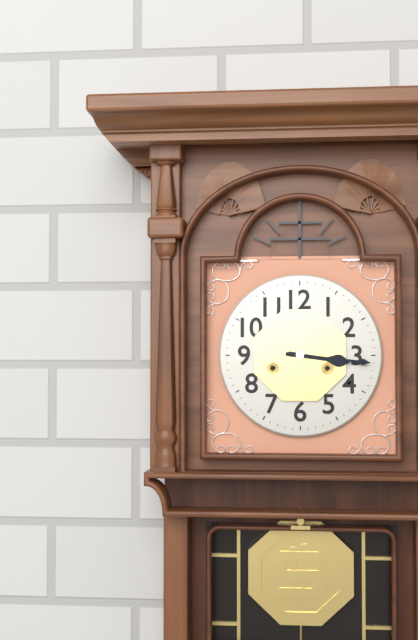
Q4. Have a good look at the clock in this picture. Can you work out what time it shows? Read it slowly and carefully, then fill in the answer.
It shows 3:16
